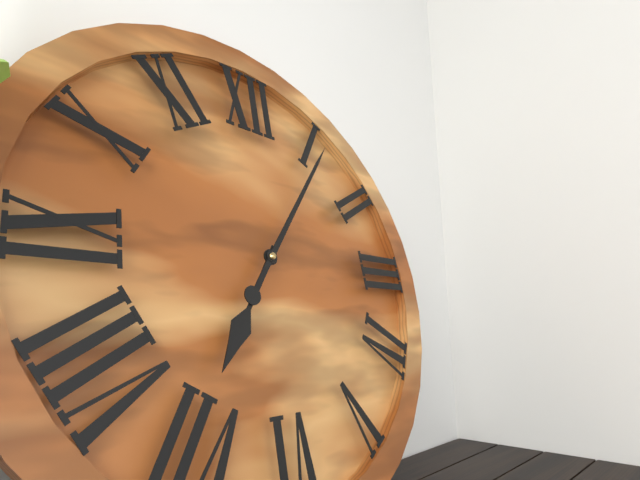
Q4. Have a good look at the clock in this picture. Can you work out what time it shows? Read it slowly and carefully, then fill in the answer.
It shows 7:06
